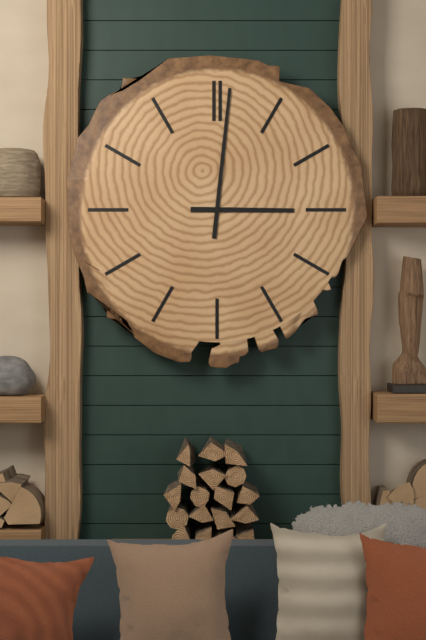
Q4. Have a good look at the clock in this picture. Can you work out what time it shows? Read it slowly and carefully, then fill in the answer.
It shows 3:01
